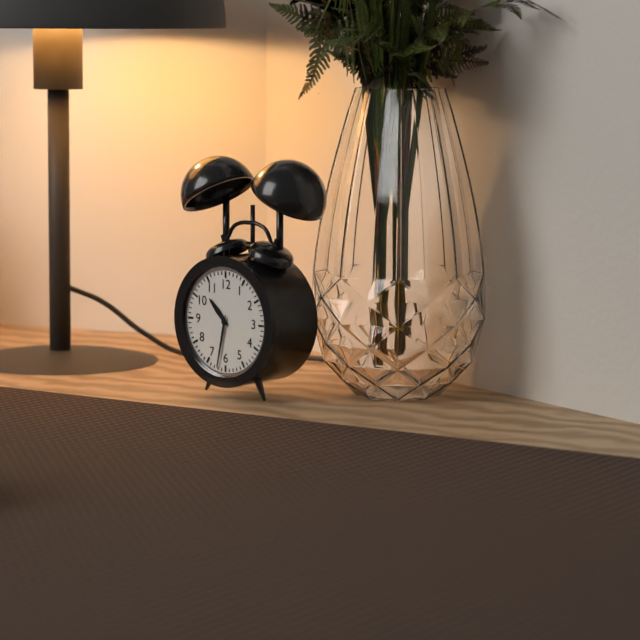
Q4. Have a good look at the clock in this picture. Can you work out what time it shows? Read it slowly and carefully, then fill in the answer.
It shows 10:32
